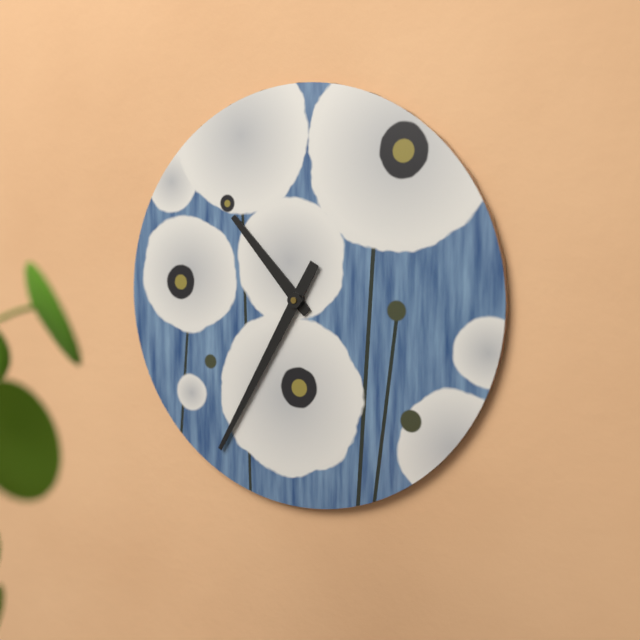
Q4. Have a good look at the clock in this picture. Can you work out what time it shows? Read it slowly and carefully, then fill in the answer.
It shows 10:35
